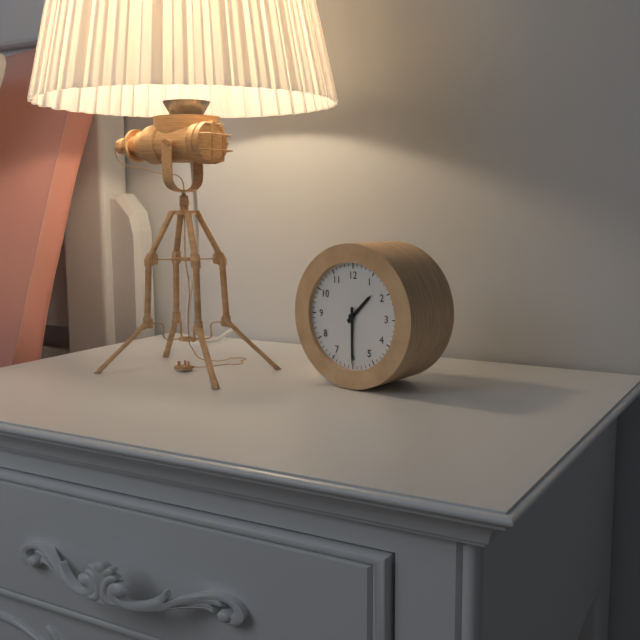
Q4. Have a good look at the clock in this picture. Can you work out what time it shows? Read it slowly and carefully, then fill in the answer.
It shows 1:30
